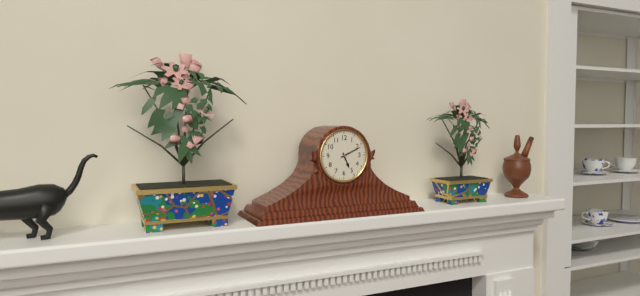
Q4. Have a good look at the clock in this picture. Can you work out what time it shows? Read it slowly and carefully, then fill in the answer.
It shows 5:11
